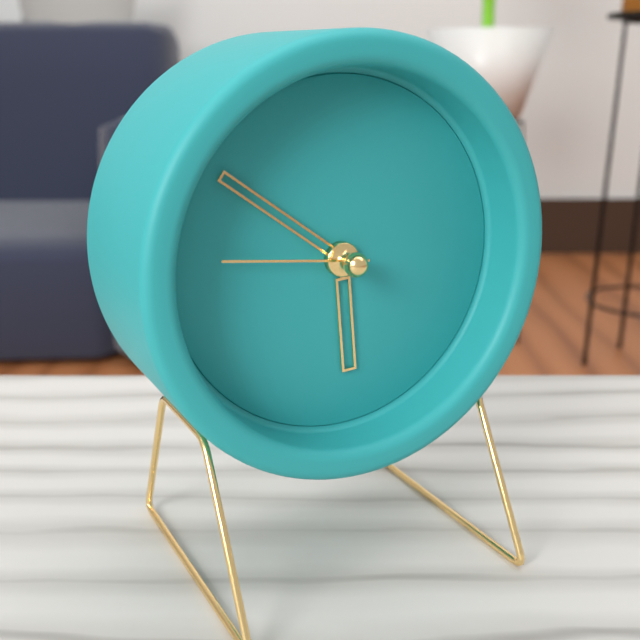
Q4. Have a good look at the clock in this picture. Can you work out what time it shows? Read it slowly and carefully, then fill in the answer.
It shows 5:51:46
